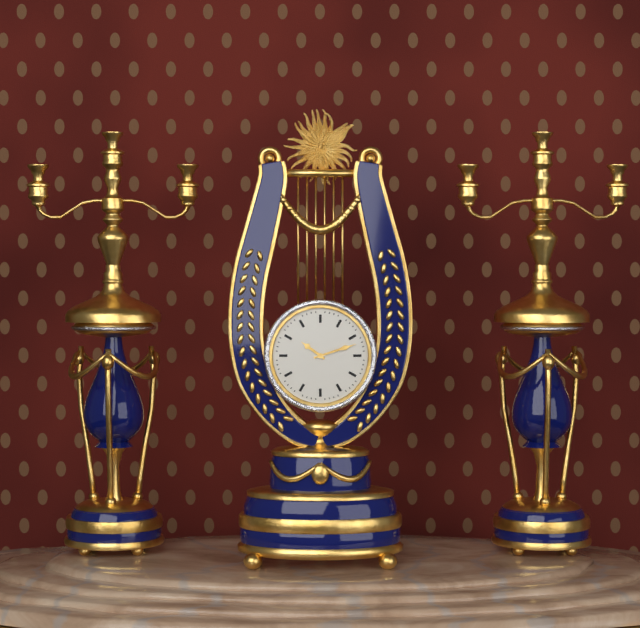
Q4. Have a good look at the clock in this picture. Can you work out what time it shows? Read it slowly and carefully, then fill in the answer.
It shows 10:12
